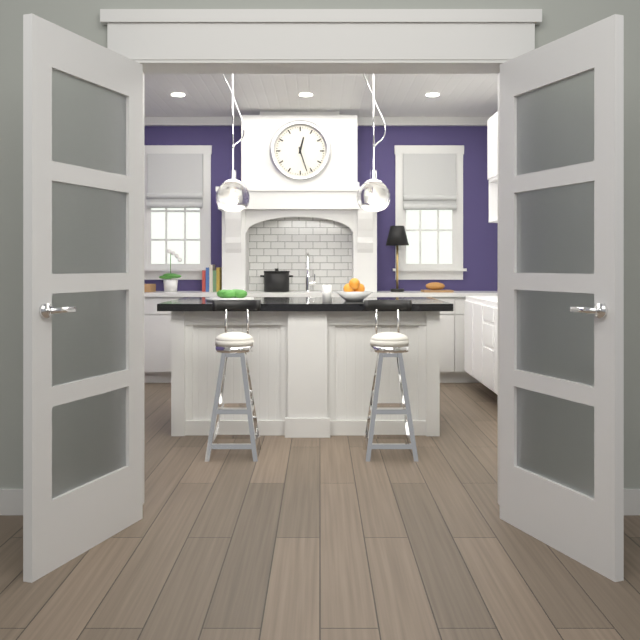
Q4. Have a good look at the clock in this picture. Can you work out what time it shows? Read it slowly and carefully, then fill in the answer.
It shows 12:27
